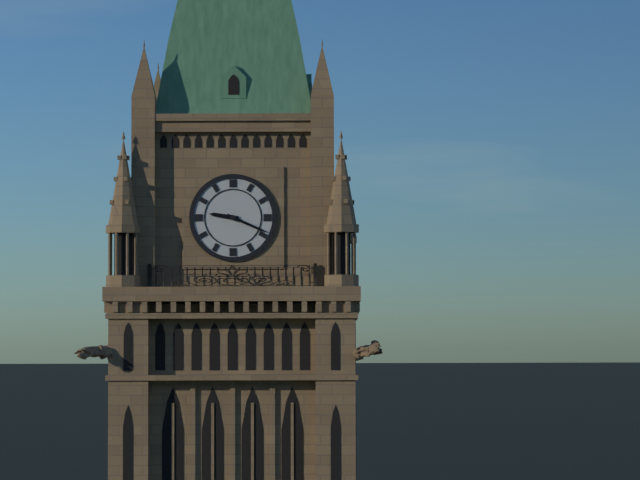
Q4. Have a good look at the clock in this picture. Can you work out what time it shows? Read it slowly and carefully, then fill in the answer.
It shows 9:19
